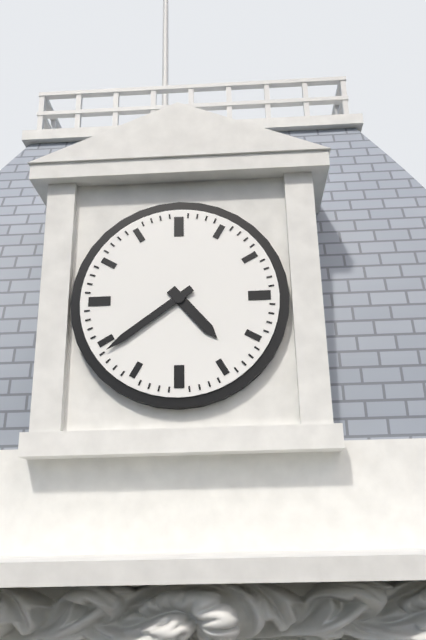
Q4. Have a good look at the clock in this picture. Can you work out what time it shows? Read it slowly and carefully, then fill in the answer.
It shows 4:39
